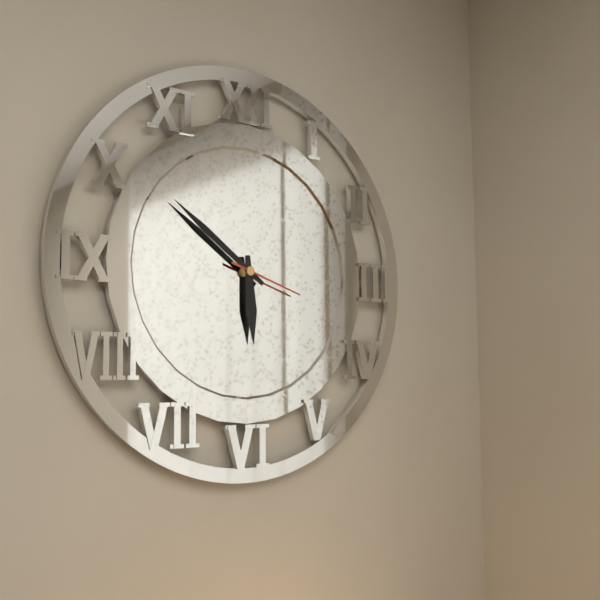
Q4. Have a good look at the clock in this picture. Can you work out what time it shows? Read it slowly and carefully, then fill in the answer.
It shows 5:51:18
